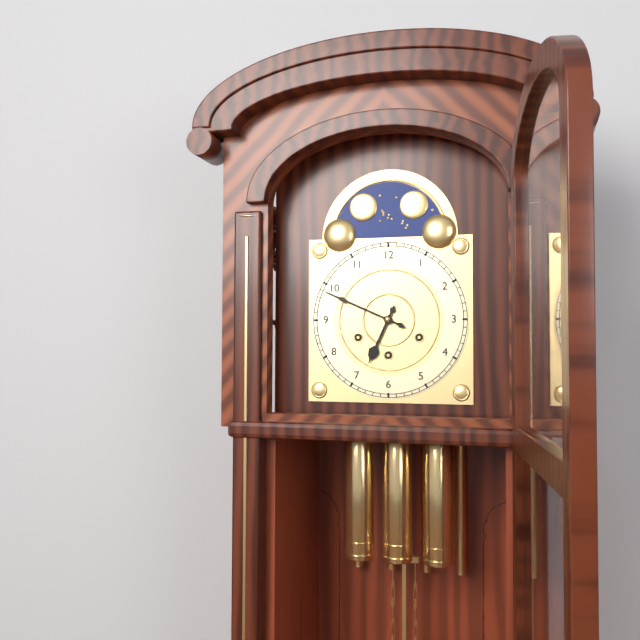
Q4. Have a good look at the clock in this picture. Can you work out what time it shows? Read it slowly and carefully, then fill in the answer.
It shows 6:49
